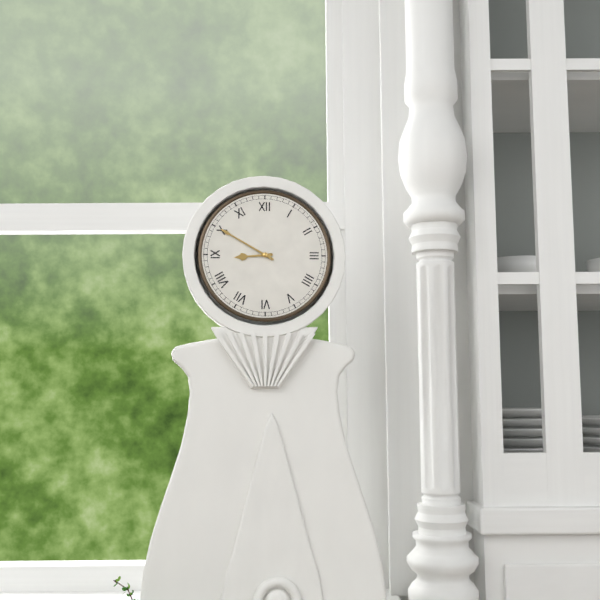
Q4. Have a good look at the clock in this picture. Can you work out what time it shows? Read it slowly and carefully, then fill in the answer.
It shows 8:50
